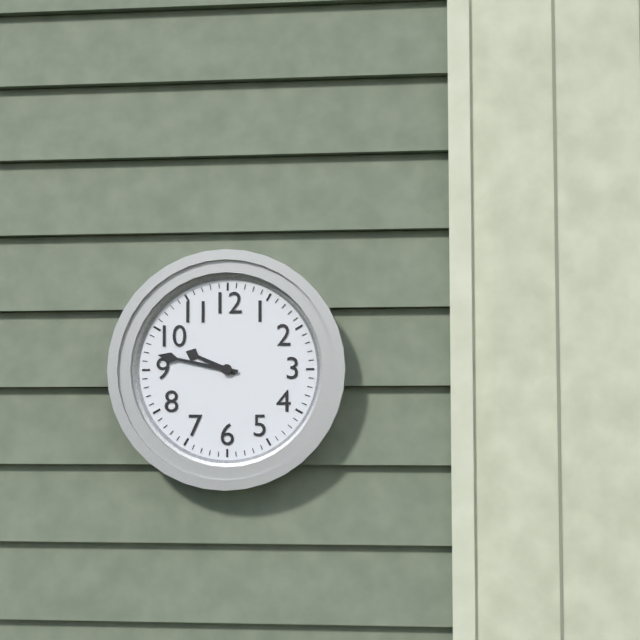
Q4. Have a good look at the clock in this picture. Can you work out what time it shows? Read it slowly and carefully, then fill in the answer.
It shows 9:47
